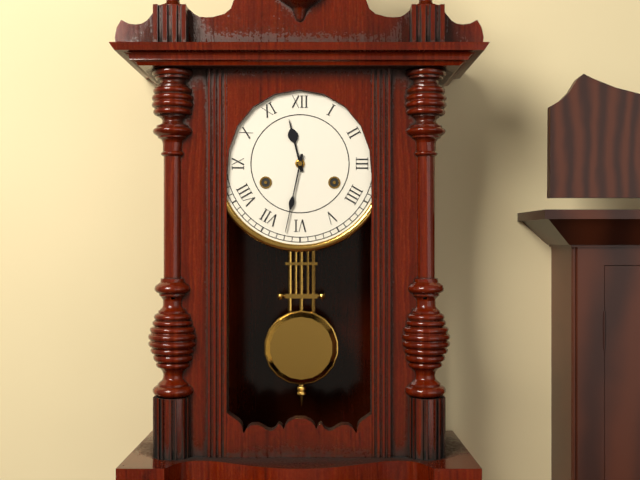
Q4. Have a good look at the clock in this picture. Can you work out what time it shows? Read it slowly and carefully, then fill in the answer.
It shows 11:32
